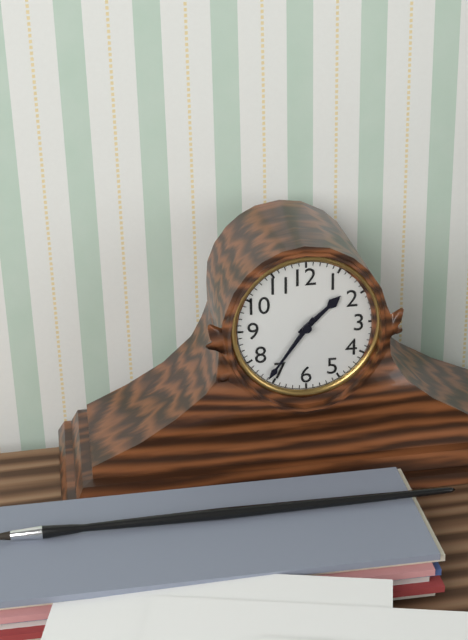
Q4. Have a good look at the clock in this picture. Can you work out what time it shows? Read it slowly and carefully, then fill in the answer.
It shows 1:36
